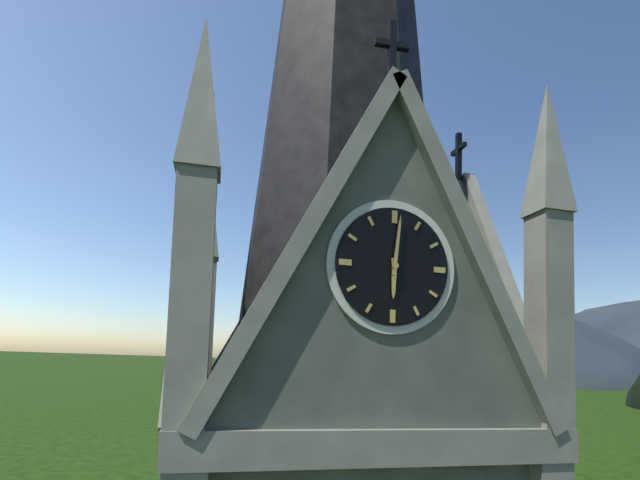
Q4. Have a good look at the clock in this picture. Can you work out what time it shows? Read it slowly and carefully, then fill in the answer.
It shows 6:01
